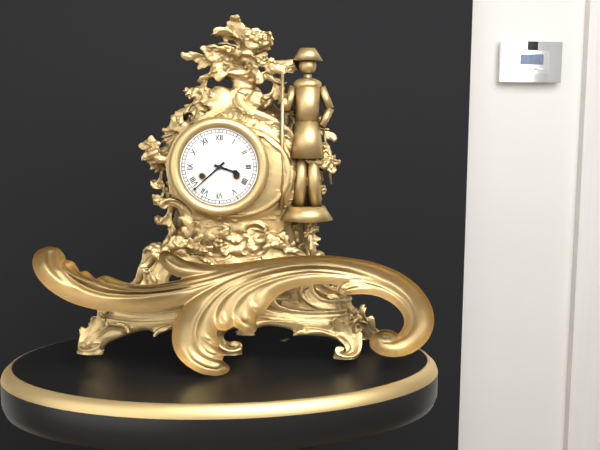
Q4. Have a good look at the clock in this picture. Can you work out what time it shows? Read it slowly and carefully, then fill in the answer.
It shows 3:38
